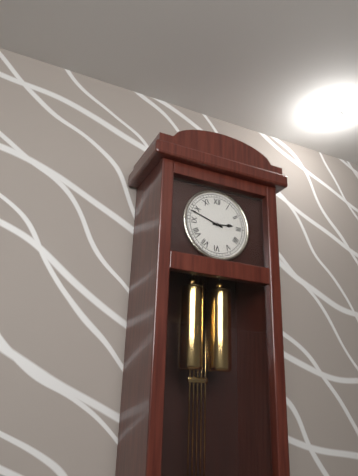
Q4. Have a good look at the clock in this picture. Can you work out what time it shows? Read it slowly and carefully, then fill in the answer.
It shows 2:48
